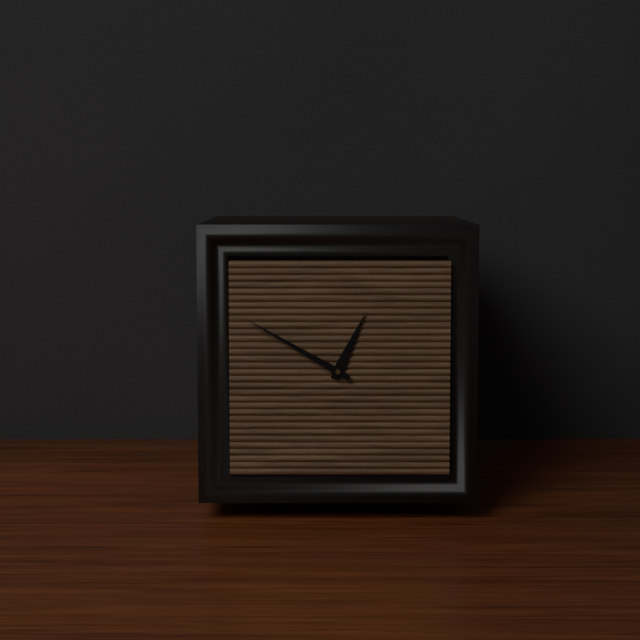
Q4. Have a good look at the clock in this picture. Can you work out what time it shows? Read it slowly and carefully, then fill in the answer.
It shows 12:50
